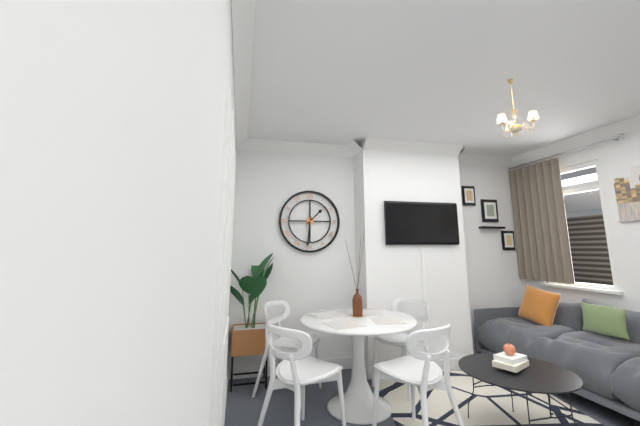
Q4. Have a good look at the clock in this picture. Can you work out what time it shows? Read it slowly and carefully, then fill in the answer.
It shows 1:31
